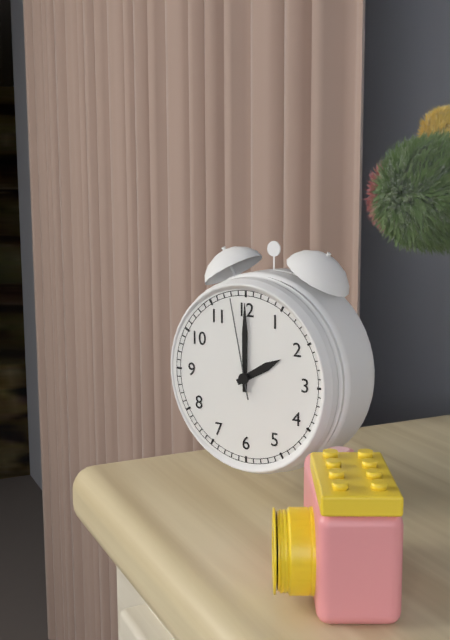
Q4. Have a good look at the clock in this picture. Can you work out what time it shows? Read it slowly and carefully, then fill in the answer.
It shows 2:00:58
